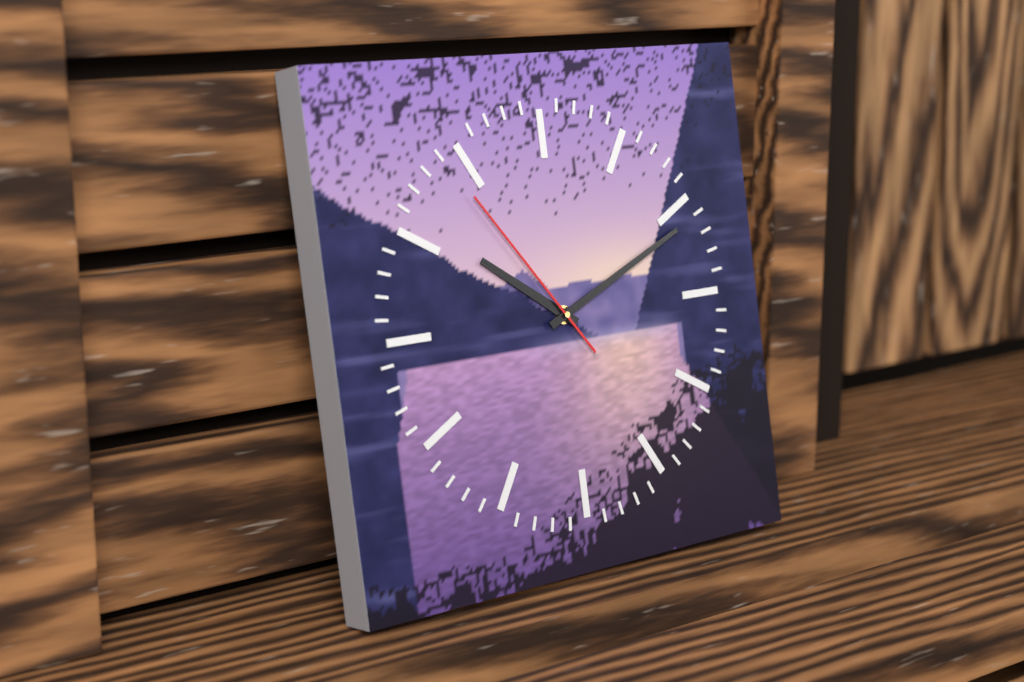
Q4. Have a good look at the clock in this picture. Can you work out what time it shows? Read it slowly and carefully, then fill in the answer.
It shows 10:11:54
